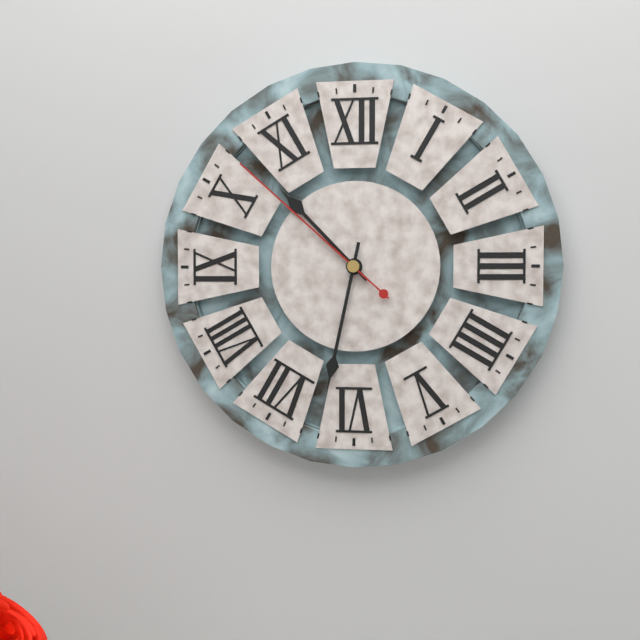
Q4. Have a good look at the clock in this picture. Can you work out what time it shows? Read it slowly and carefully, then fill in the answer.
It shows 10:32:52
